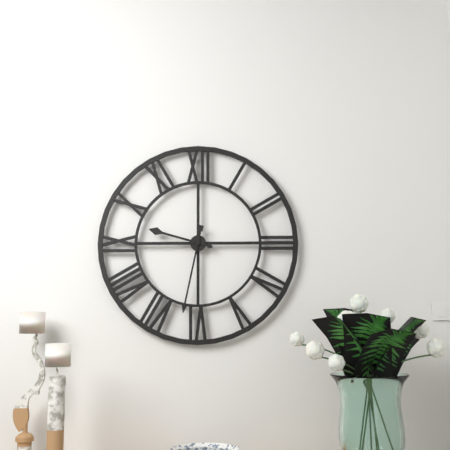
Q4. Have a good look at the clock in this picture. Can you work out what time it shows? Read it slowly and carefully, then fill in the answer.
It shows 9:32
